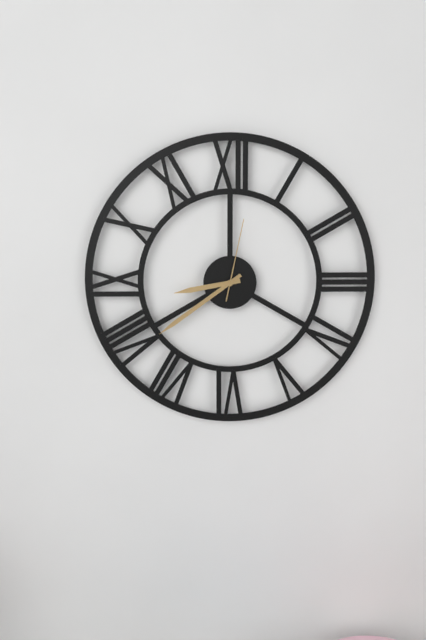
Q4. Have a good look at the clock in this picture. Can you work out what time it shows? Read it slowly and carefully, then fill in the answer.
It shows 8:39:02
